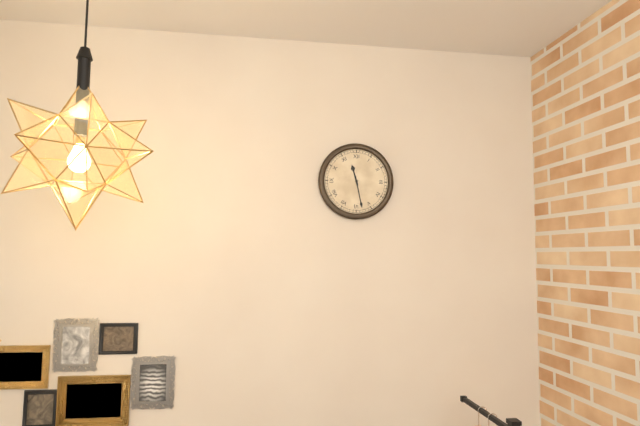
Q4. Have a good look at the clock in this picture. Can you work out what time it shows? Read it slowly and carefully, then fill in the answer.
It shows 11:28
